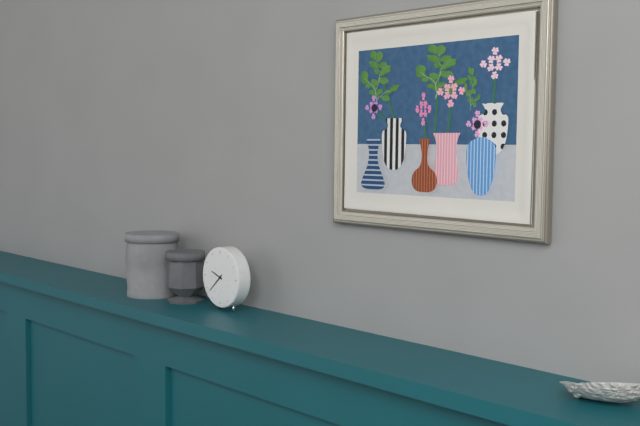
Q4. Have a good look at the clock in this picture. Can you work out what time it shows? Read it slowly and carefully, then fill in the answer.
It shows 9:38
